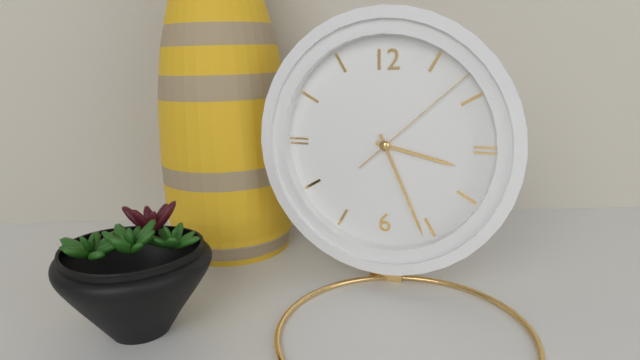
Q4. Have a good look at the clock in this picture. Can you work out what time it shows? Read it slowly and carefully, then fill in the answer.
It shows 3:26:08
